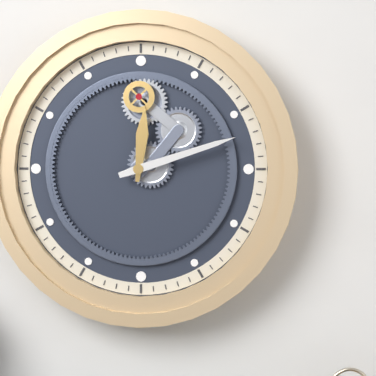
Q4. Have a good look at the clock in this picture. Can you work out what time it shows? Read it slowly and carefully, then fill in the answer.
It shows 12:12
